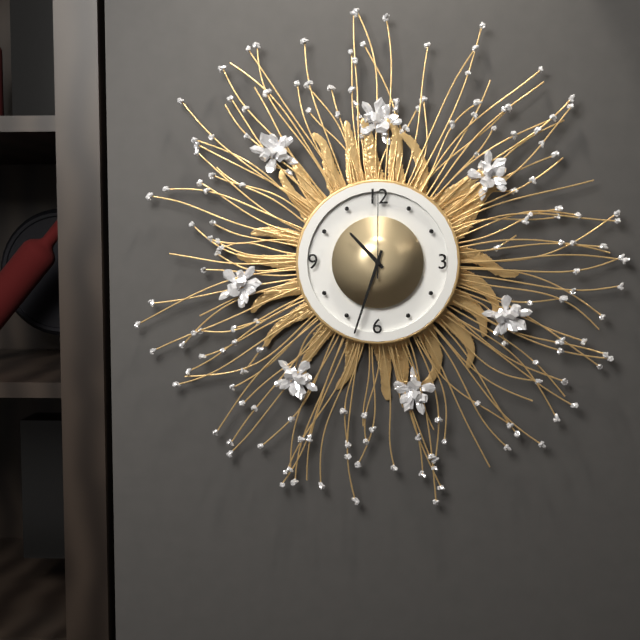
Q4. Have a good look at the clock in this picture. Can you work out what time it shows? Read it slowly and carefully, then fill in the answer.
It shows 10:33:00
